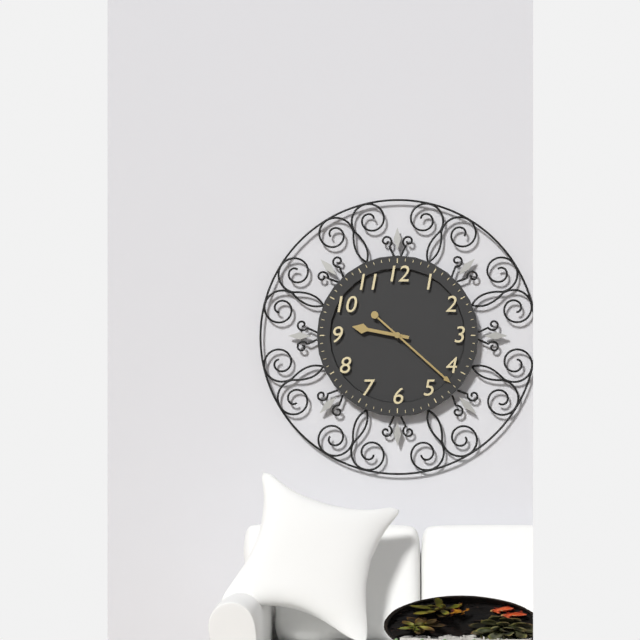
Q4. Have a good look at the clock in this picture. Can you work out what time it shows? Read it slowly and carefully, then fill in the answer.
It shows 9:22
